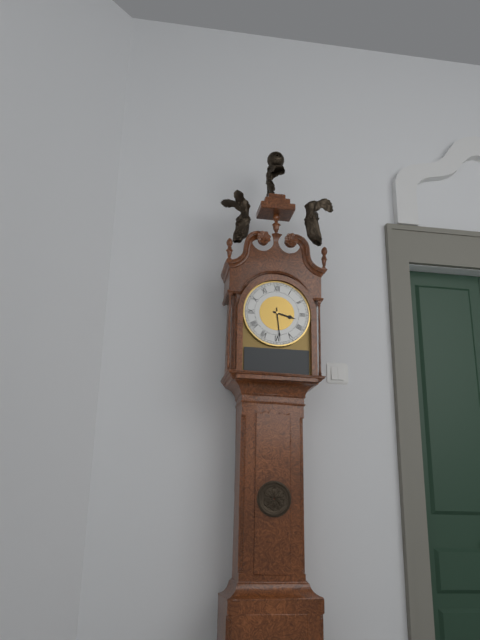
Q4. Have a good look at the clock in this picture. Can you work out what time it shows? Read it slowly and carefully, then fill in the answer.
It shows 3:29
